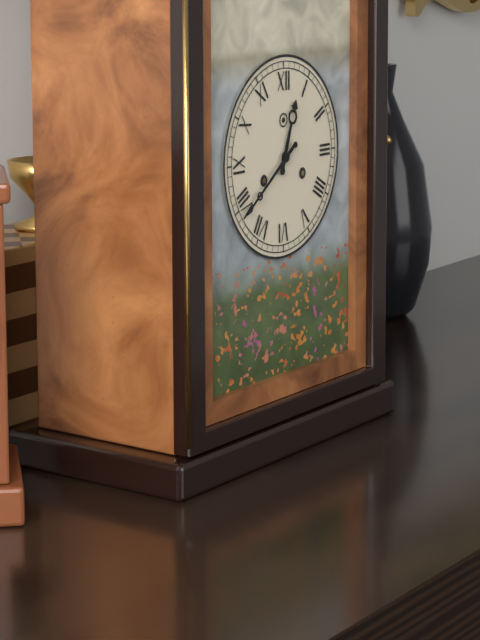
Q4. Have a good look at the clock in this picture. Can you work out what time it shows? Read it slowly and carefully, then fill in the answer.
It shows 12:39
